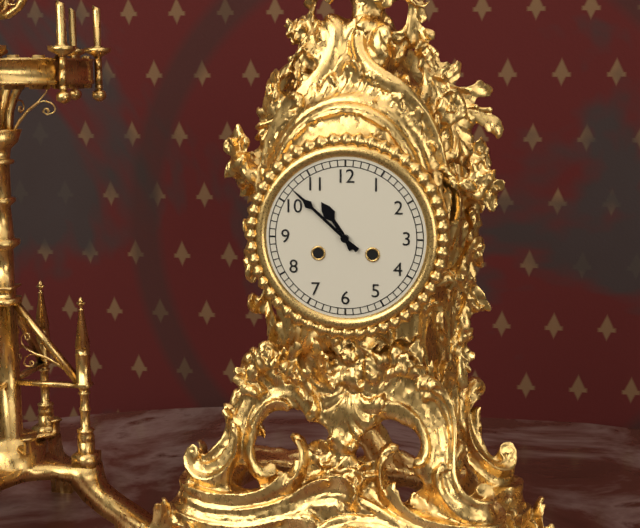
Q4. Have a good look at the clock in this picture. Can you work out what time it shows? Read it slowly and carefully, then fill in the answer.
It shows 10:52
